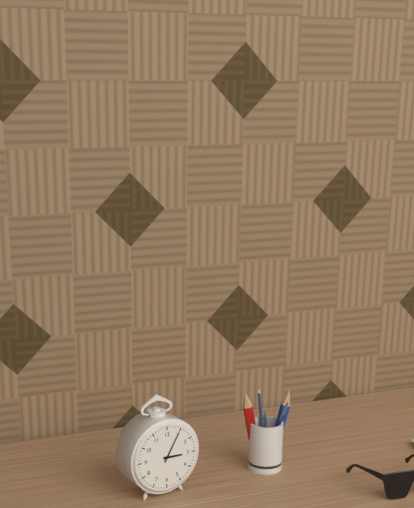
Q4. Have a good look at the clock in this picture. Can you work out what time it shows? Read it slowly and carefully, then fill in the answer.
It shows 3:05
